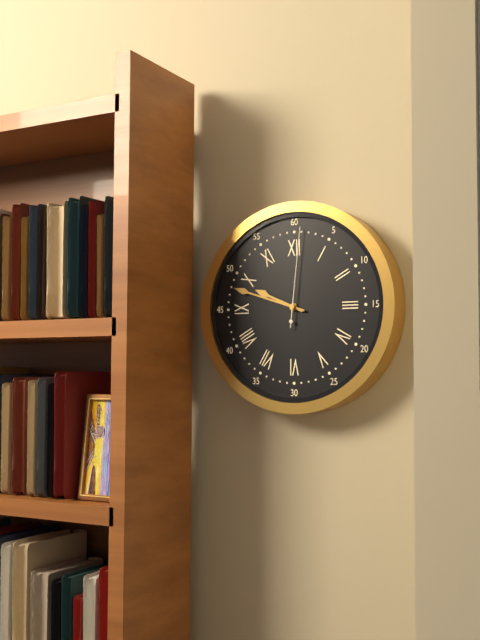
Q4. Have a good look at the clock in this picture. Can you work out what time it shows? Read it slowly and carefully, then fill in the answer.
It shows 9:48:01
